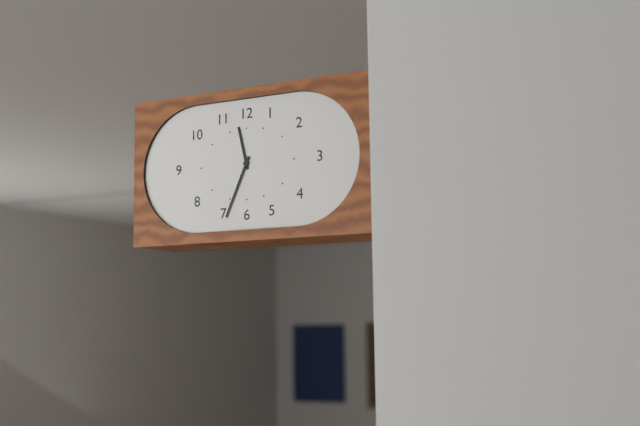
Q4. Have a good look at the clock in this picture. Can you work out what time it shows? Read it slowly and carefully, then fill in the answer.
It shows 11:34
